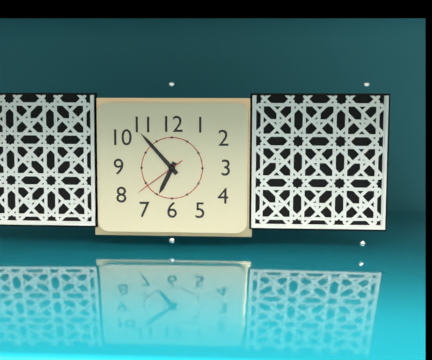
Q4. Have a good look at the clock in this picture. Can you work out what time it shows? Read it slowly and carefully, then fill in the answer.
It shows 6:53:39
